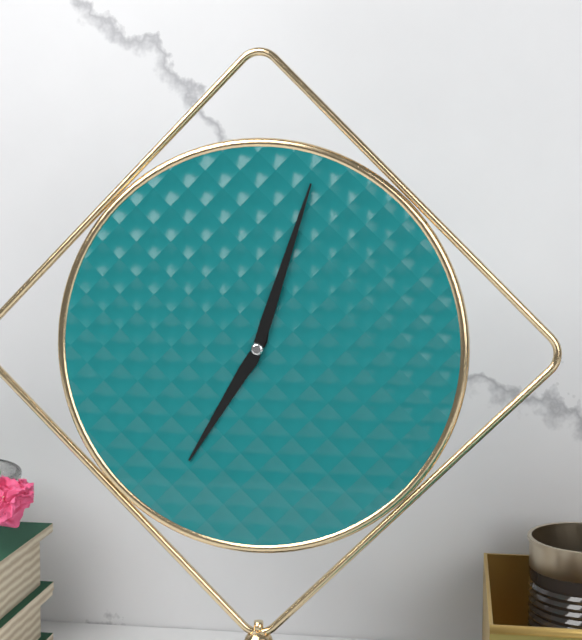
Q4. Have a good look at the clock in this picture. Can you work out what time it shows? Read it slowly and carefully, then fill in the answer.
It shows 7:03
